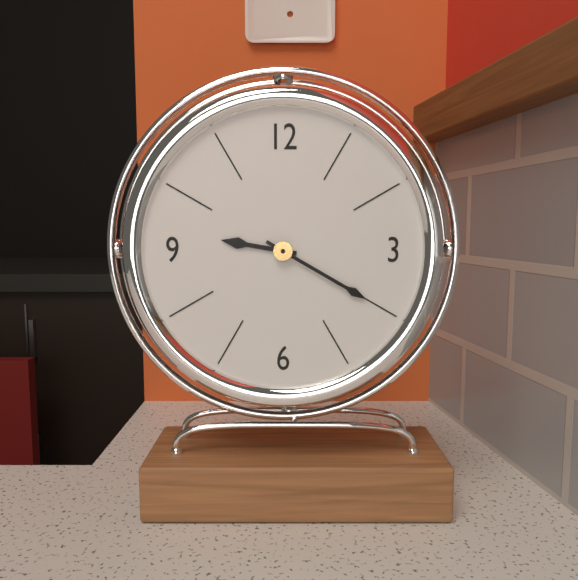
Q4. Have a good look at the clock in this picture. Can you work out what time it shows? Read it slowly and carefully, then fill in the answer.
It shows 9:20
